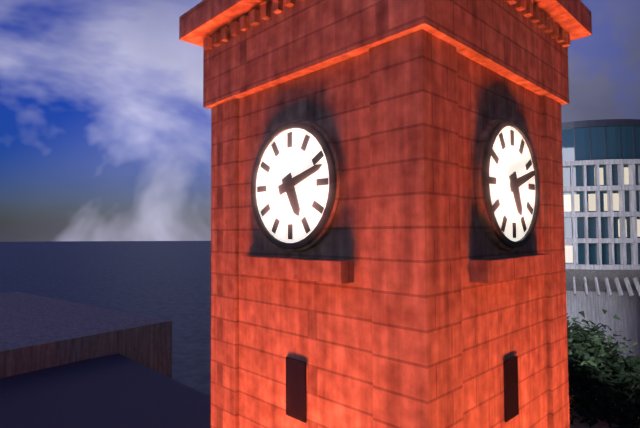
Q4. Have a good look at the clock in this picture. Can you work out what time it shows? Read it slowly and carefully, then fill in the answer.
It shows 5:12
